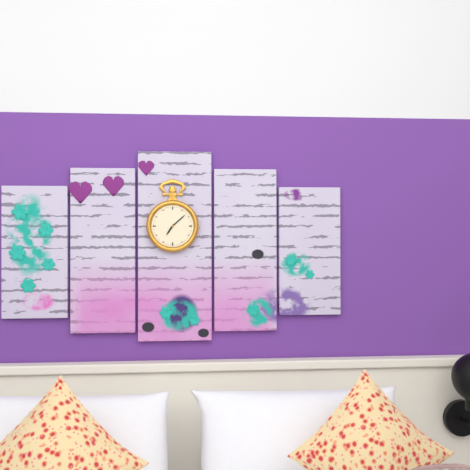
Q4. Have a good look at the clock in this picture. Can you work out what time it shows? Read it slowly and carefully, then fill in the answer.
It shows 7:08
